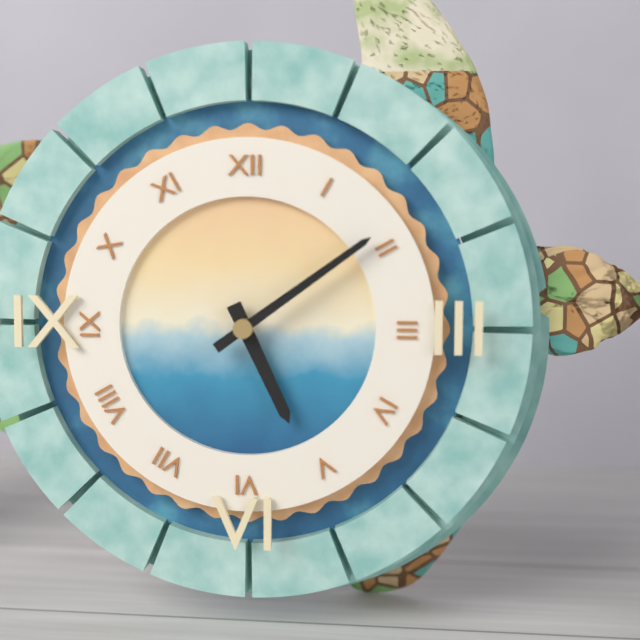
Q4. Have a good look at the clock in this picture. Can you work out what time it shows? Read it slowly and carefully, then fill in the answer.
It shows 5:09
